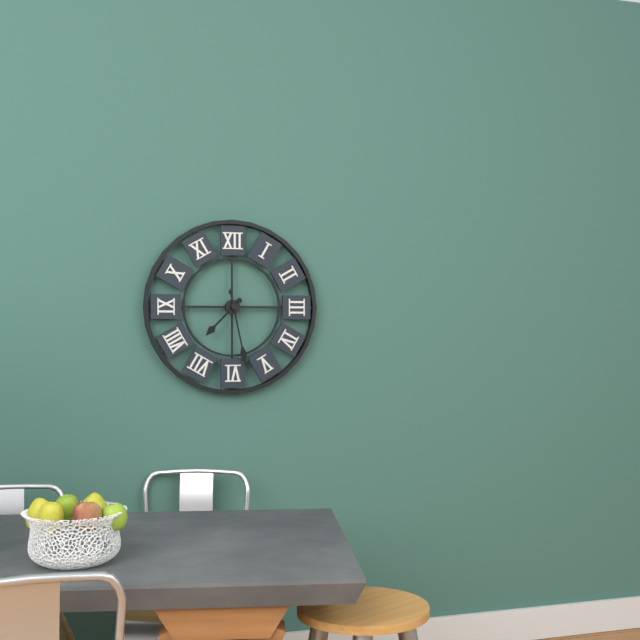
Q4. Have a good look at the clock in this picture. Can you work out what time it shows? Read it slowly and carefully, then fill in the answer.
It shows 7:28
